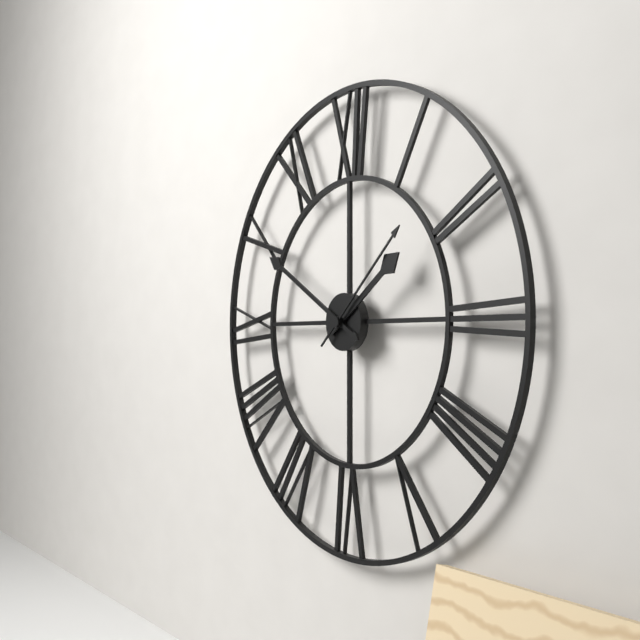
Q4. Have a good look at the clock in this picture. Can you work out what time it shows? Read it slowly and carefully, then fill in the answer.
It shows 1:50:08
